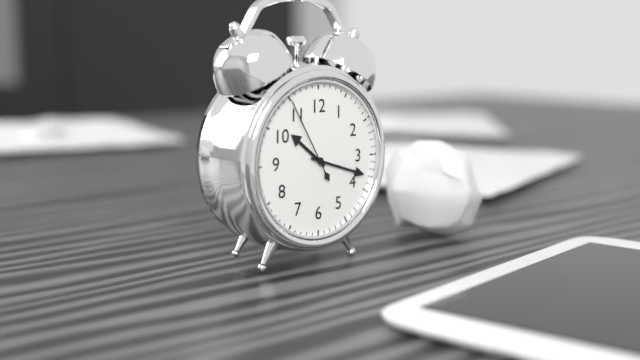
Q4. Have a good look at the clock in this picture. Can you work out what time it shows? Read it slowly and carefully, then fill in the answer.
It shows 10:18:55
